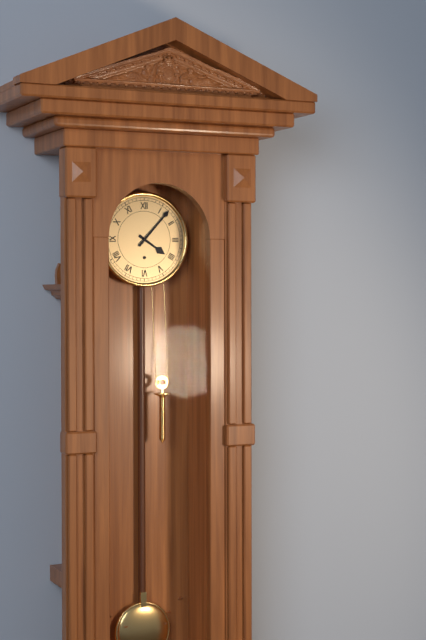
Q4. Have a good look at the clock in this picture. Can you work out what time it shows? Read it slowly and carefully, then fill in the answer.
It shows 4:07
